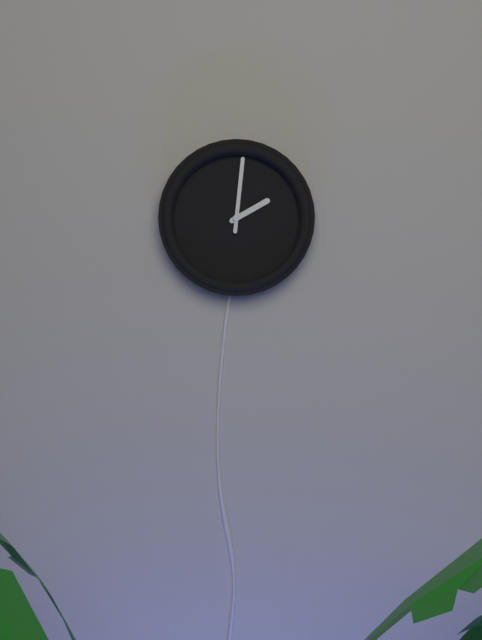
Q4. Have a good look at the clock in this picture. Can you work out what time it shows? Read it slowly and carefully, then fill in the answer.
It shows 2:01
